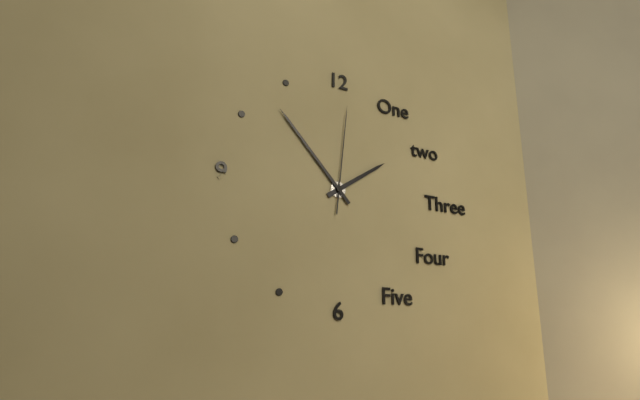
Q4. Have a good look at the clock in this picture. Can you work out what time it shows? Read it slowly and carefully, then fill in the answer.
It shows 1:53:01
